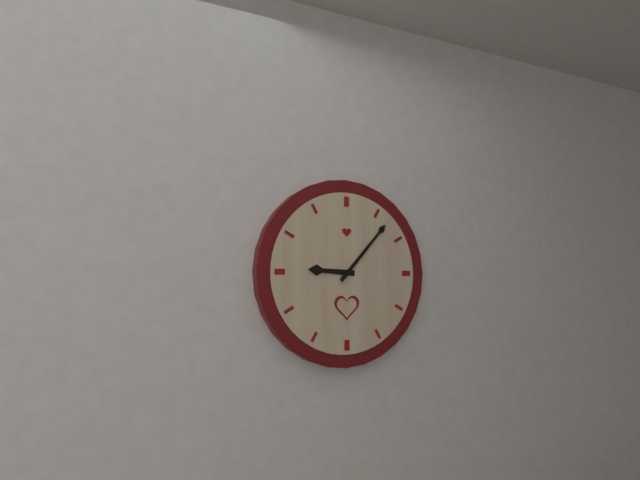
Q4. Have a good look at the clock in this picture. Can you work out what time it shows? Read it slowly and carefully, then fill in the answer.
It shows 9:07
